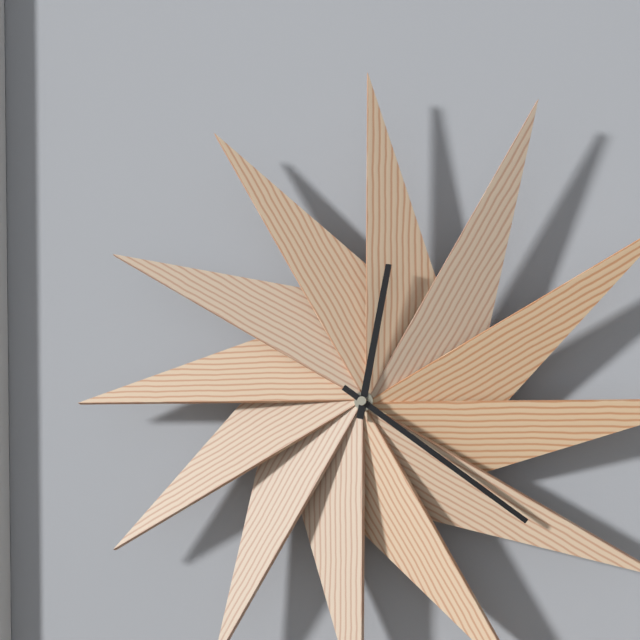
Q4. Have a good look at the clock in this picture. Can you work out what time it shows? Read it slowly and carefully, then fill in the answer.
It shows 12:21
